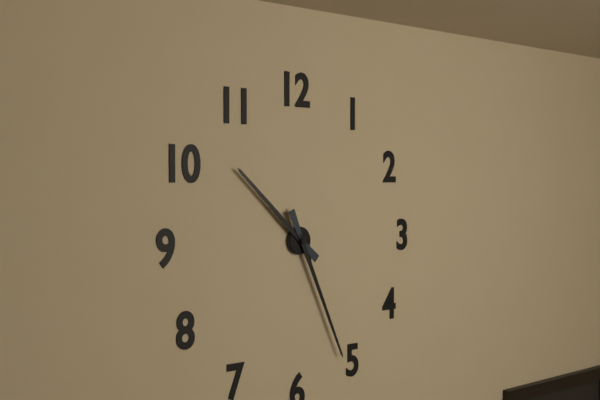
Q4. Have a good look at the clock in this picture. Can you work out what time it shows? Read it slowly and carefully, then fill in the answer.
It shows 10:26
